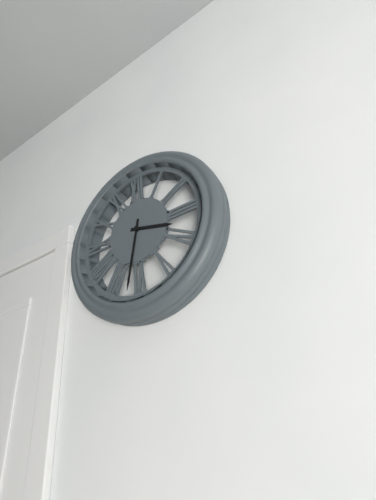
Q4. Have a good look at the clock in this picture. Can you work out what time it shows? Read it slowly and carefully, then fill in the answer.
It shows 3:32
